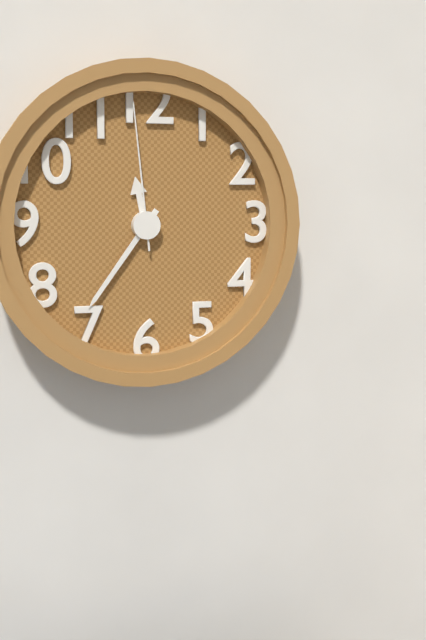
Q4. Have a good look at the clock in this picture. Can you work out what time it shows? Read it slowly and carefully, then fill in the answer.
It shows 11:36:59
